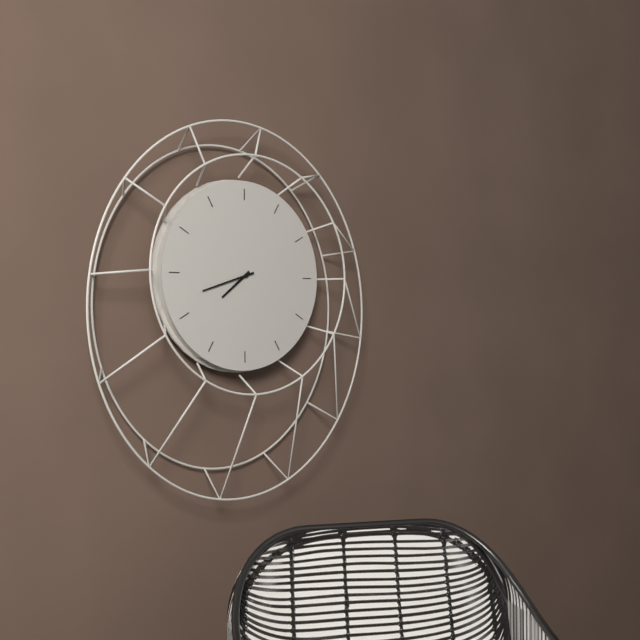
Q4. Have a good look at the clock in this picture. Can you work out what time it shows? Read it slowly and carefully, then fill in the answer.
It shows 7:42
